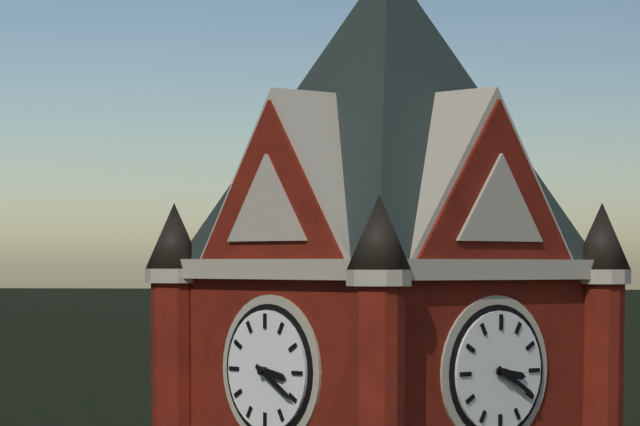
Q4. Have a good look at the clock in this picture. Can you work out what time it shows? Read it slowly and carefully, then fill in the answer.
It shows 3:20
